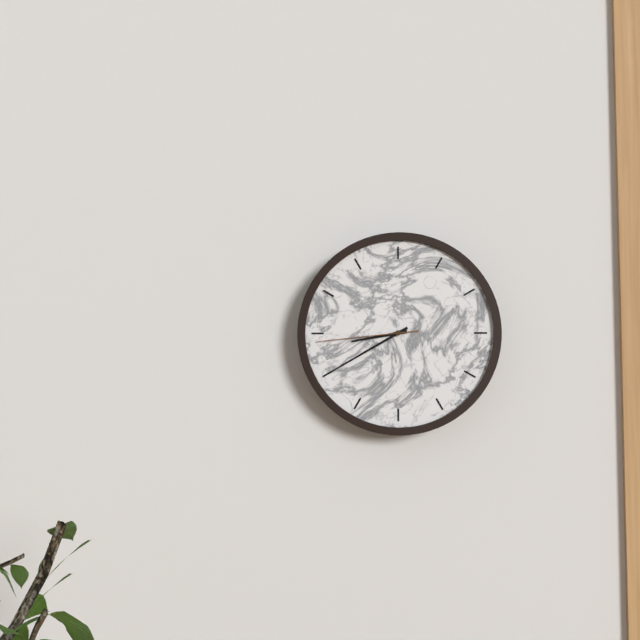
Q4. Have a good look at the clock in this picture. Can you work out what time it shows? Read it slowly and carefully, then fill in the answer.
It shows 8:40:44
